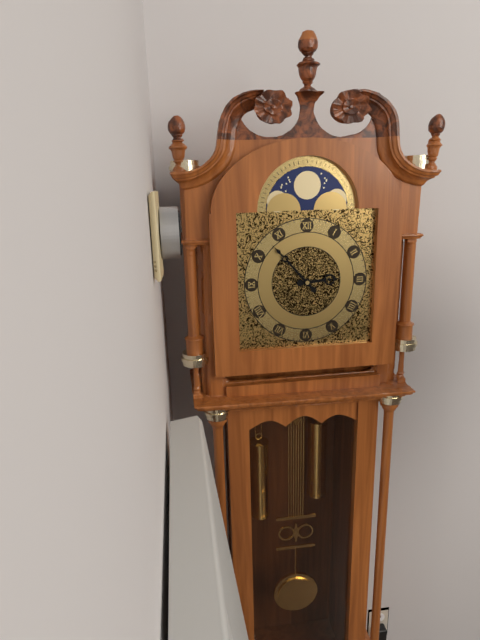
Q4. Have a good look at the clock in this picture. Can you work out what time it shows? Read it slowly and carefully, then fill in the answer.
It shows 2:53
